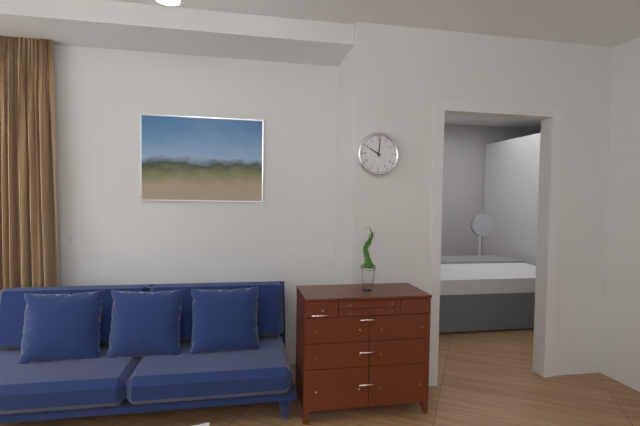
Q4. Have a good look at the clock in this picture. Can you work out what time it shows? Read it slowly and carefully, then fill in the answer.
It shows 10:01
